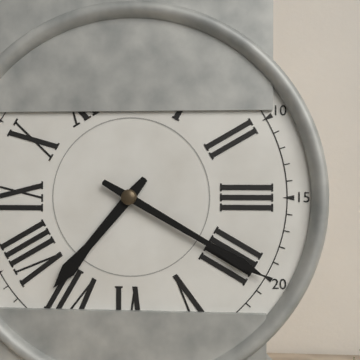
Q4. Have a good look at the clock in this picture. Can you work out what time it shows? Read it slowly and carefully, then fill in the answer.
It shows 7:20
